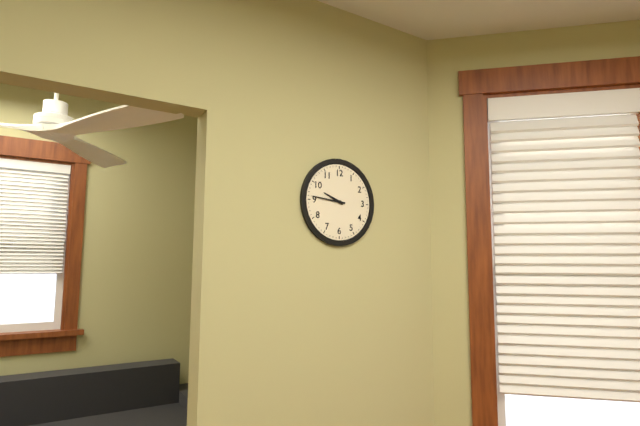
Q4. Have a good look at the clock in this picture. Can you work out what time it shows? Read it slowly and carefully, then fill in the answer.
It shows 9:46
